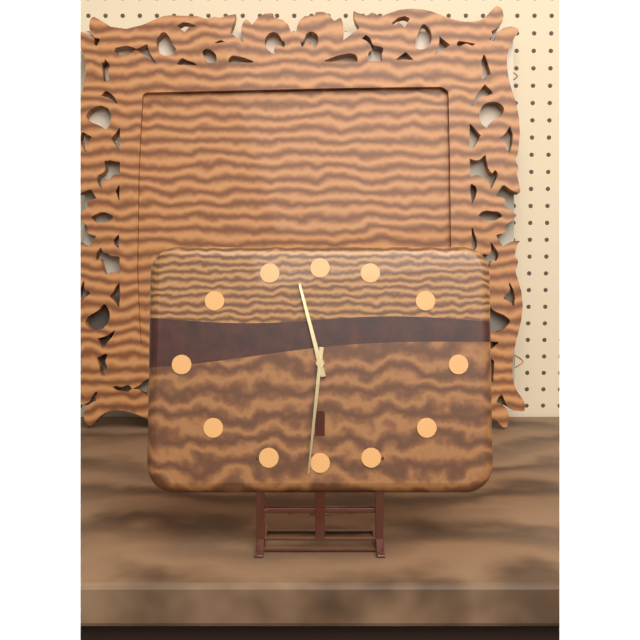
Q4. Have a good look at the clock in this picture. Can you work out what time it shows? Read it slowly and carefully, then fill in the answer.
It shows 11:31
